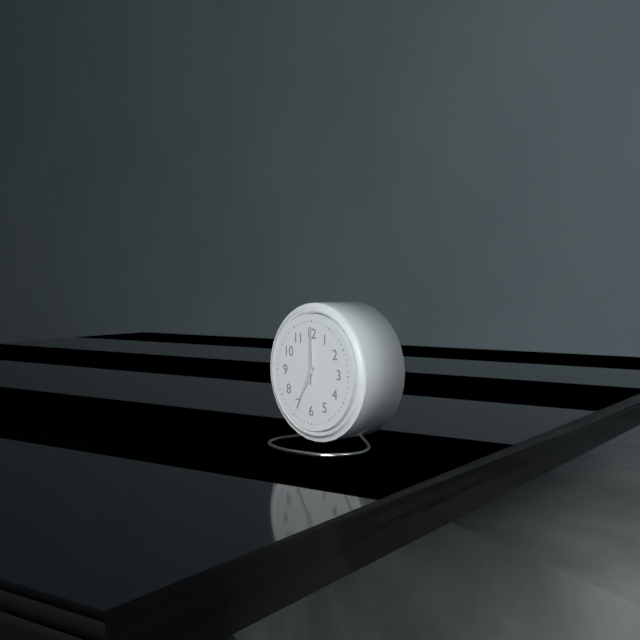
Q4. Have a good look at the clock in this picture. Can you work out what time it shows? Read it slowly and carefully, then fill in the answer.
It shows 7:00
